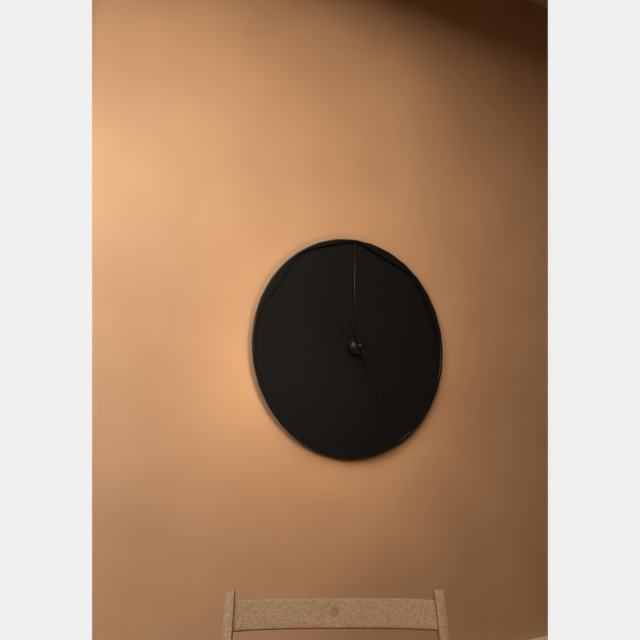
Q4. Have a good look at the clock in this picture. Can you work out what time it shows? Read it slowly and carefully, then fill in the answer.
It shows 10:26
